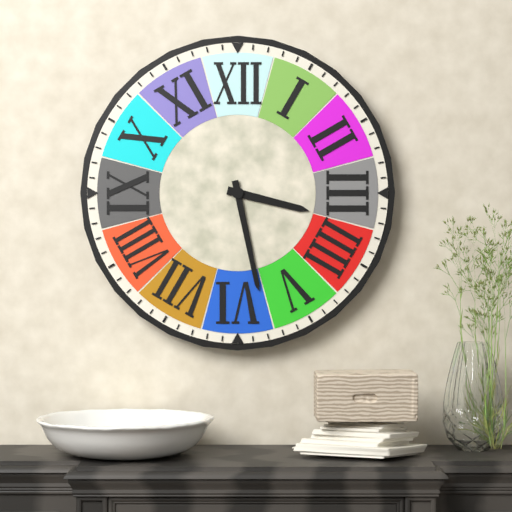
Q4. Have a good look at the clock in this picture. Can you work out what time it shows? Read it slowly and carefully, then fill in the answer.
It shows 3:28
